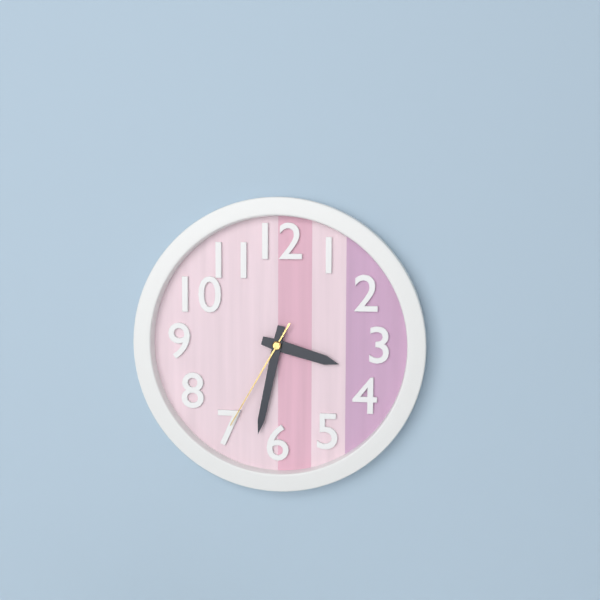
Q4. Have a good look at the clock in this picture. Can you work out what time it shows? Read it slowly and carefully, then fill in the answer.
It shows 3:32:35
